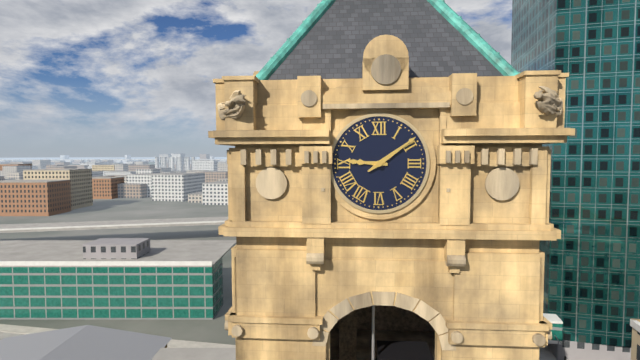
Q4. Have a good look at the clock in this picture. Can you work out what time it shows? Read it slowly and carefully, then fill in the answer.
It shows 9:09
